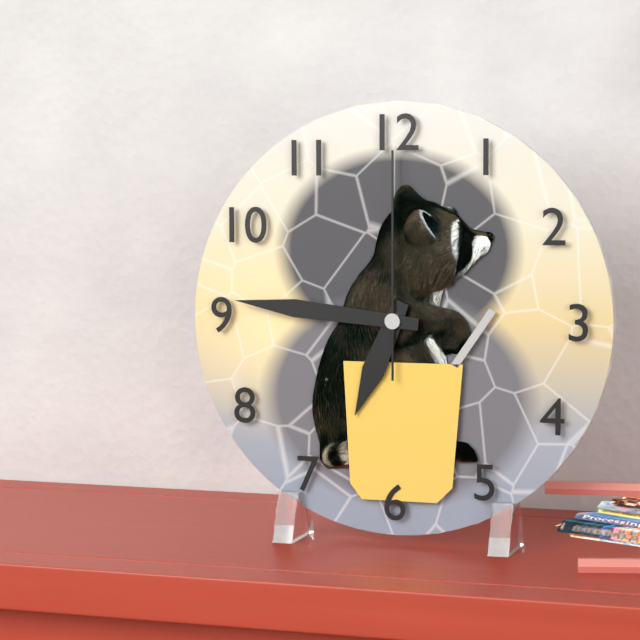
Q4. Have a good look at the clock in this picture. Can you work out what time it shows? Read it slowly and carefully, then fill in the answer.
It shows 6:46:00
